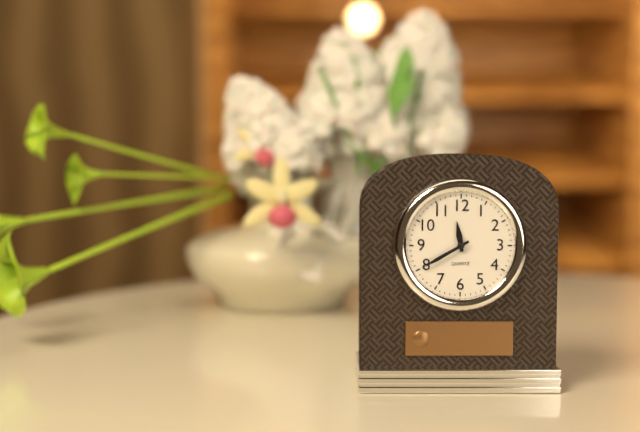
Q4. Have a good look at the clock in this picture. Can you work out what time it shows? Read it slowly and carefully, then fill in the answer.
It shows 11:40
